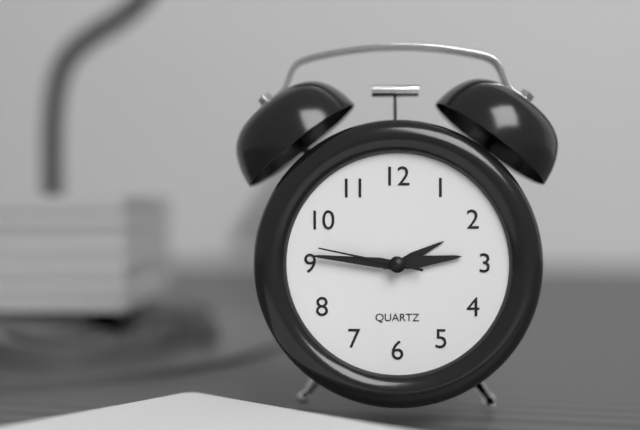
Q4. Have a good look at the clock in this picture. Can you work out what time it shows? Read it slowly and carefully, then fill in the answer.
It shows 2:46:47
